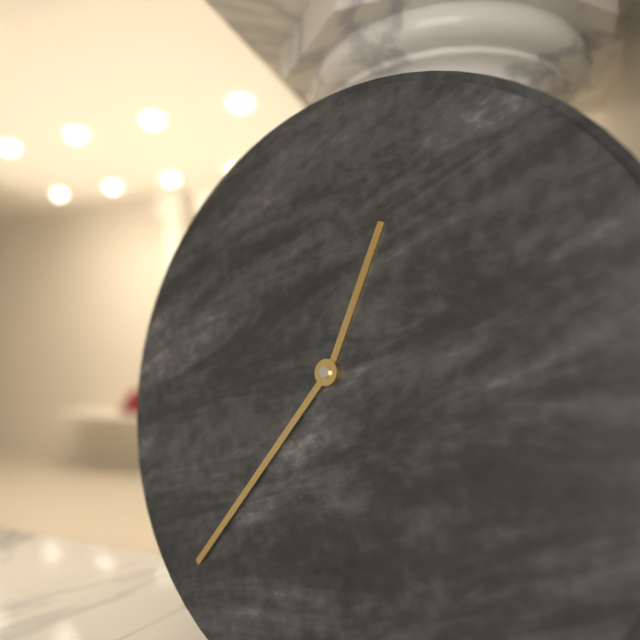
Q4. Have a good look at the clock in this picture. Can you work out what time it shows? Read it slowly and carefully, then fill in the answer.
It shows 12:36
